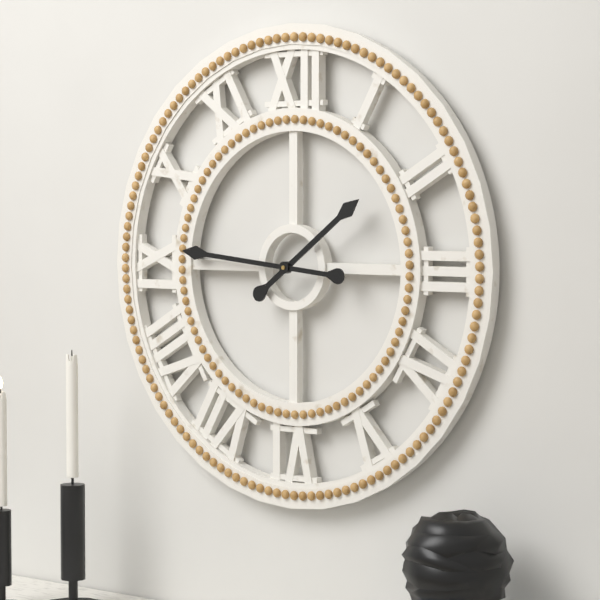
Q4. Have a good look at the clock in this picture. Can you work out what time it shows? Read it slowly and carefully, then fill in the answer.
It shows 1:46
